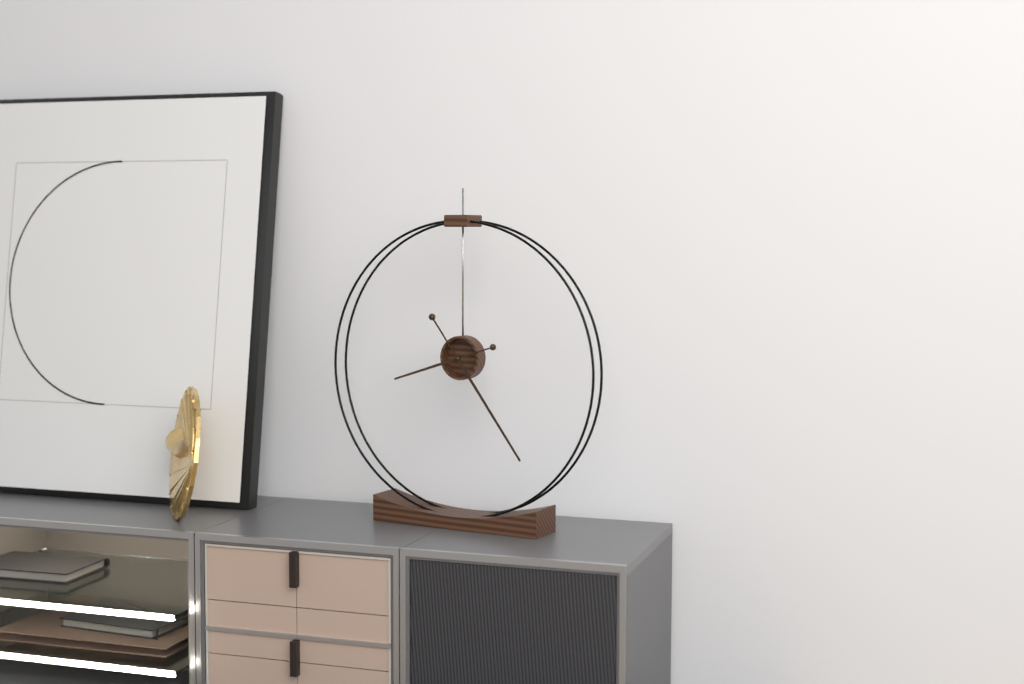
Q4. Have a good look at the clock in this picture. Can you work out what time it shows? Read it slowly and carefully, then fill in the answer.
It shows 8:24
